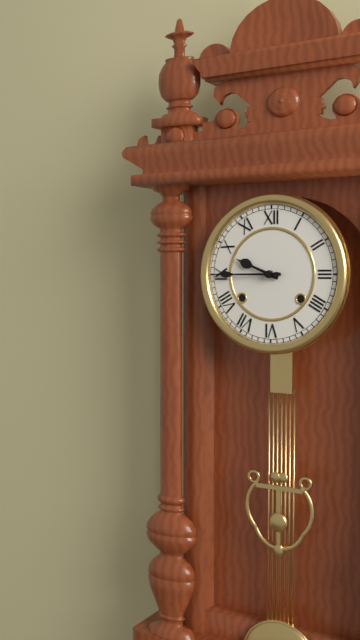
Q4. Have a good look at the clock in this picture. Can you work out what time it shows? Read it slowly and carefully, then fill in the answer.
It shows 9:45
